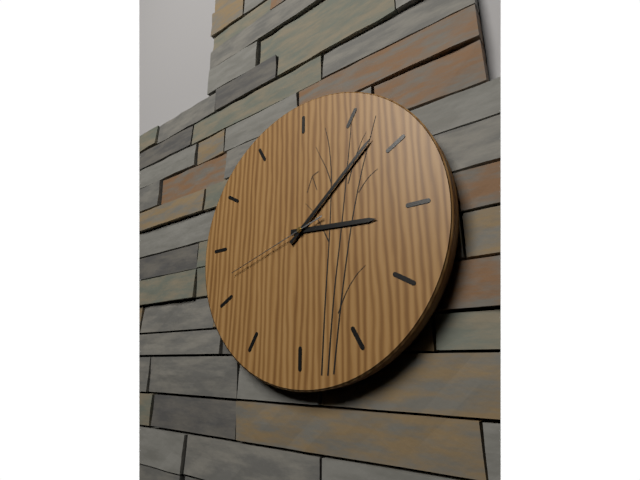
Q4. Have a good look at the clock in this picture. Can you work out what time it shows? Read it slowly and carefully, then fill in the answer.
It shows 3:08:42
